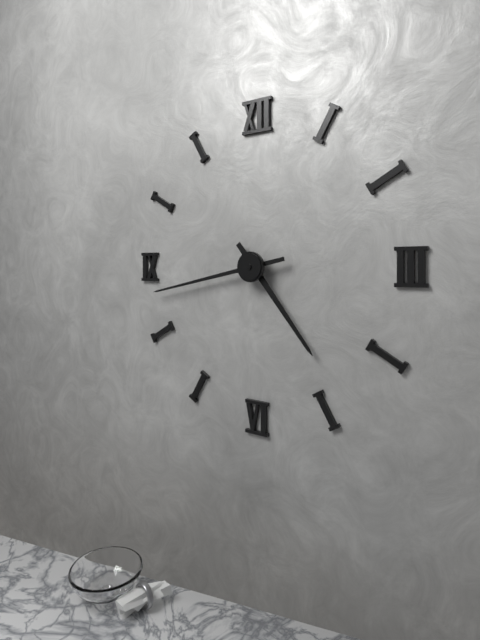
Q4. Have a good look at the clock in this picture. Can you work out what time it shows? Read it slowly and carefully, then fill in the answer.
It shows 4:43
